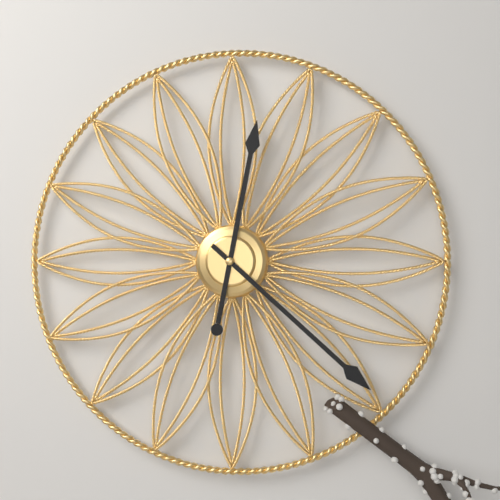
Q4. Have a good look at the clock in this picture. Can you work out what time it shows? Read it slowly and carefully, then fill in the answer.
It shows 12:22
